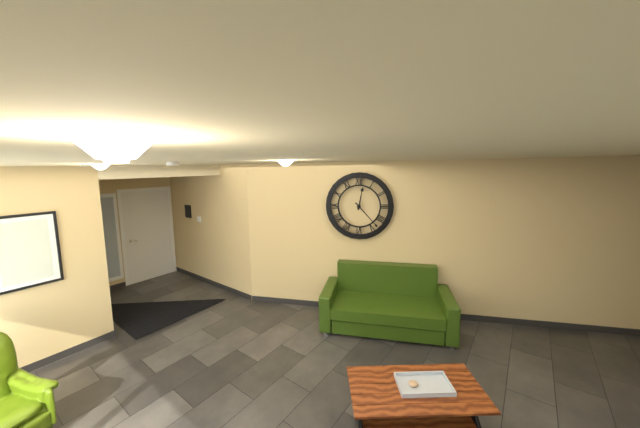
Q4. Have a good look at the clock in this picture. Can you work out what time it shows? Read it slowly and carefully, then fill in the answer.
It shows 12:23
